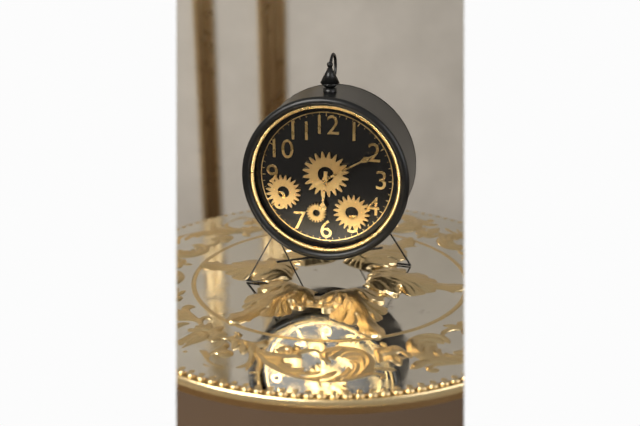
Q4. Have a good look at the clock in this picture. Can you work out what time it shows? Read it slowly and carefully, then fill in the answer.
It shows 6:10
